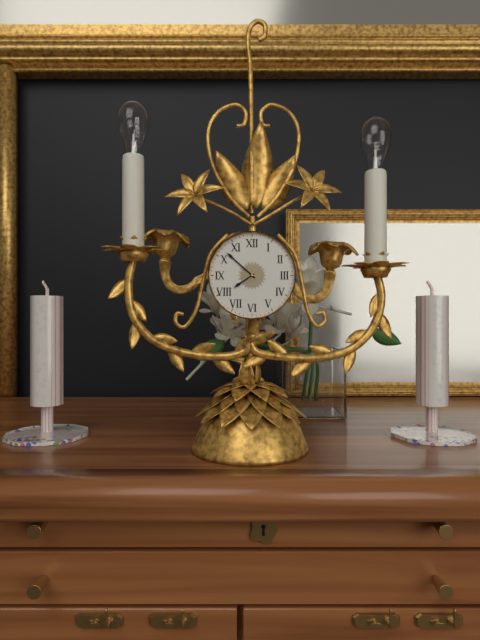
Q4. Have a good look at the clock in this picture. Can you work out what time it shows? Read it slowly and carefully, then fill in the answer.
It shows 7:52
